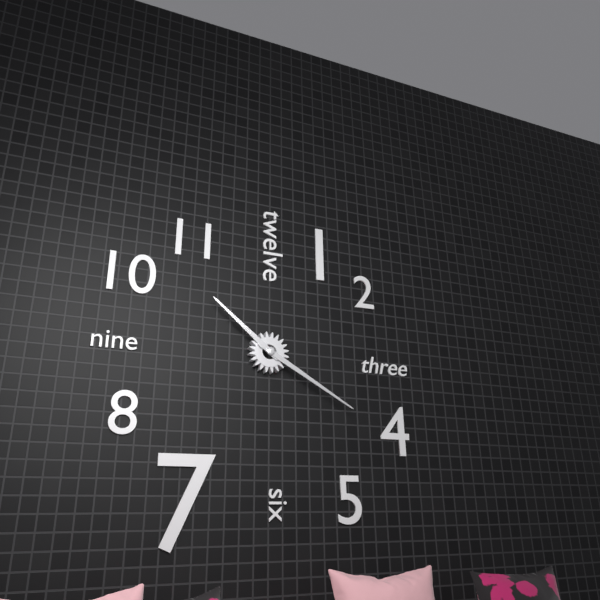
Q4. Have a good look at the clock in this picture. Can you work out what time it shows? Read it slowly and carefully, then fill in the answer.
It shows 10:20
